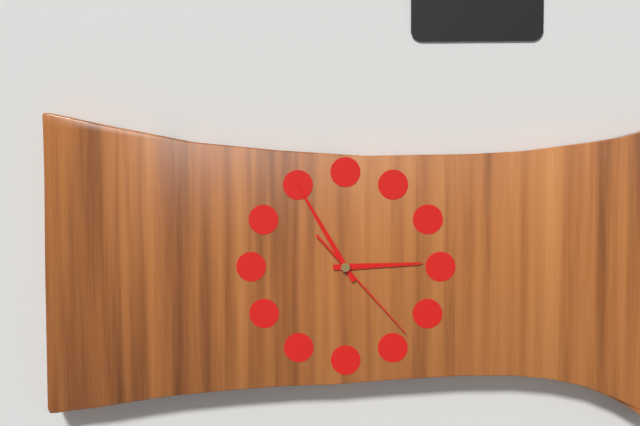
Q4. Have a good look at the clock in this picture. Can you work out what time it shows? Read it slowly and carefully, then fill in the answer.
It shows 2:55:23
